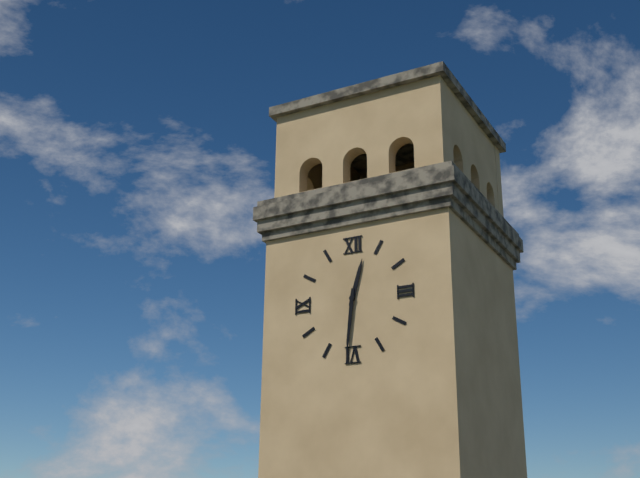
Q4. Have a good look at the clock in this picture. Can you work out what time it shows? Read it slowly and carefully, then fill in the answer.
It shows 12:31
